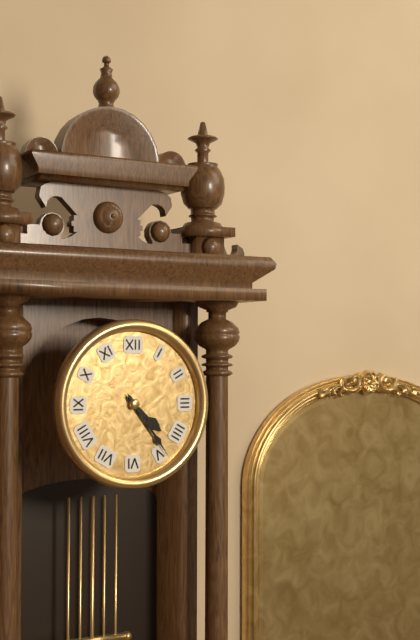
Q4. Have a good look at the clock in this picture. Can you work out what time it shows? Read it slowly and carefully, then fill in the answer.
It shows 4:24
